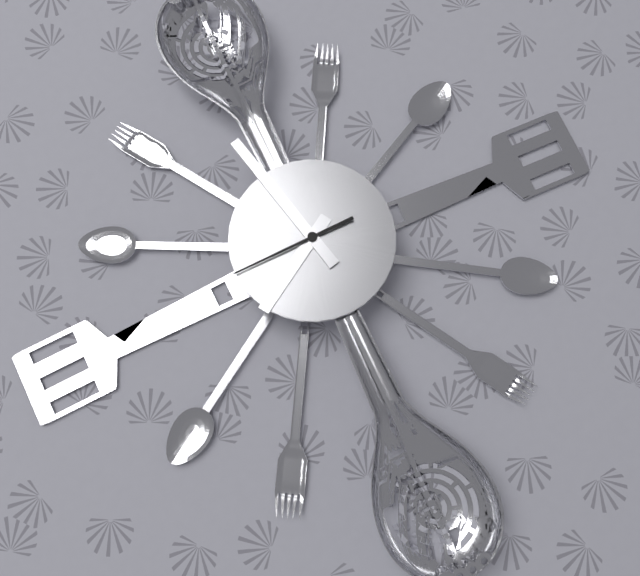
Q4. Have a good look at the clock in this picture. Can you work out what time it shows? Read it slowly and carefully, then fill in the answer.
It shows 7:58:45
